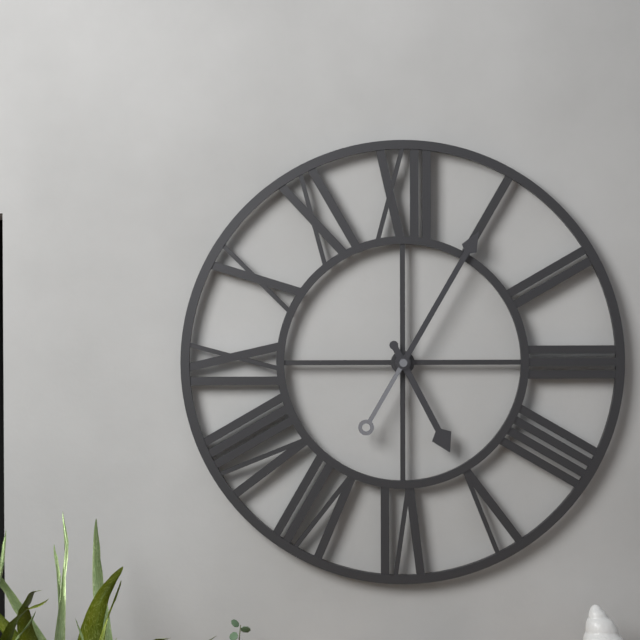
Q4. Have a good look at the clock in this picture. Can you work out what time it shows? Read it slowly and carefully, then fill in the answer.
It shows 5:05
